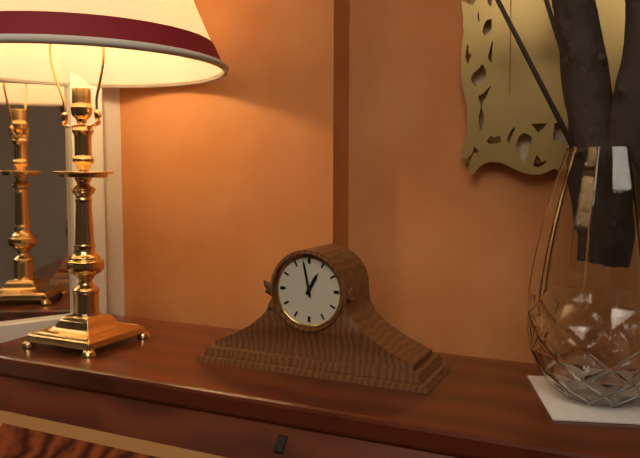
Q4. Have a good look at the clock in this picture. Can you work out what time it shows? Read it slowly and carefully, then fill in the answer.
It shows 12:58
